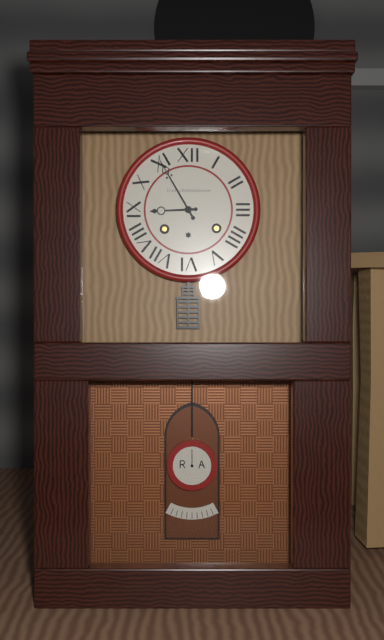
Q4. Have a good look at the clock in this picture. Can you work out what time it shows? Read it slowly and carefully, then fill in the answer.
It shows 8:55
